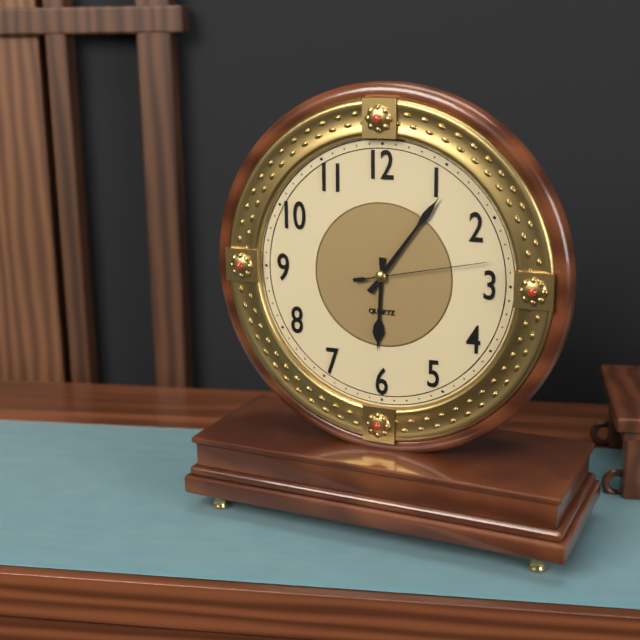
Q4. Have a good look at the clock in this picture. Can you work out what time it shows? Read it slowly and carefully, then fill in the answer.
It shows 6:06:13
